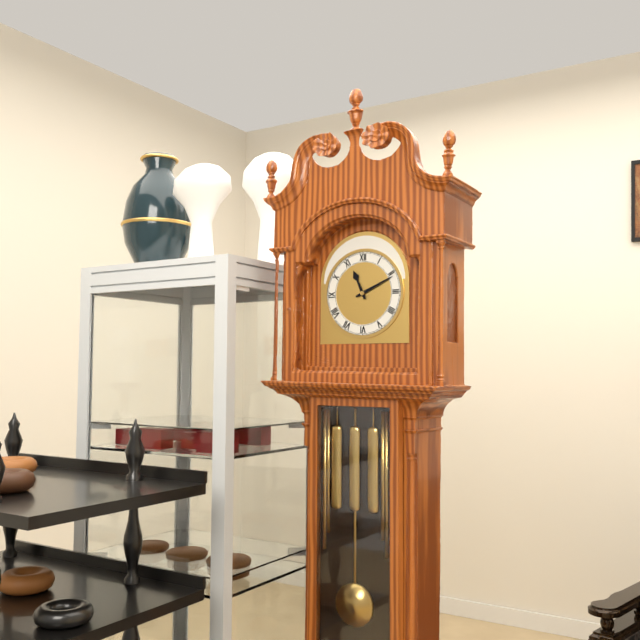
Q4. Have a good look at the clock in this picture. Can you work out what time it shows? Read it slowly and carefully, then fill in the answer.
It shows 11:11
